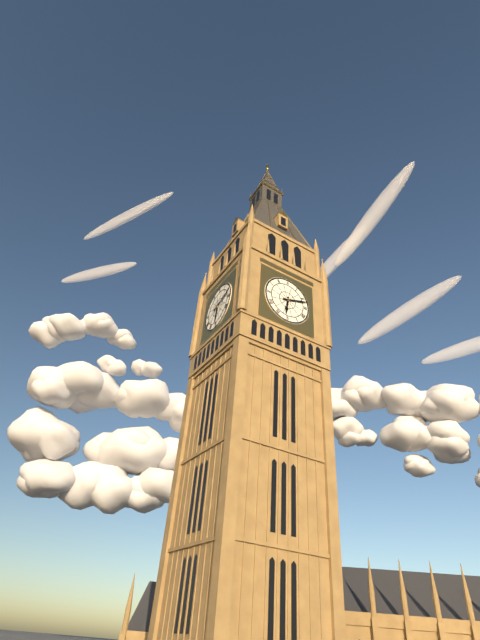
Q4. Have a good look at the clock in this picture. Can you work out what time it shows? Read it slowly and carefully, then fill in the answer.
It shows 6:12
